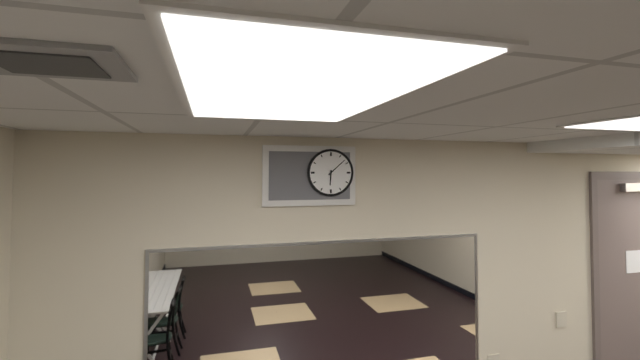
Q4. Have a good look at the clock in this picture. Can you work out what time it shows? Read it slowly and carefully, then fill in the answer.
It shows 6:08
